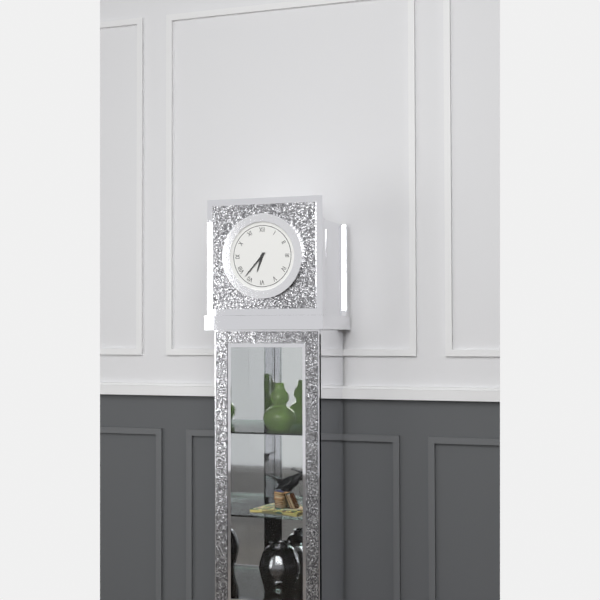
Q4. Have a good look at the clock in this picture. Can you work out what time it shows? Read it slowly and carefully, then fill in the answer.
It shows 6:37
